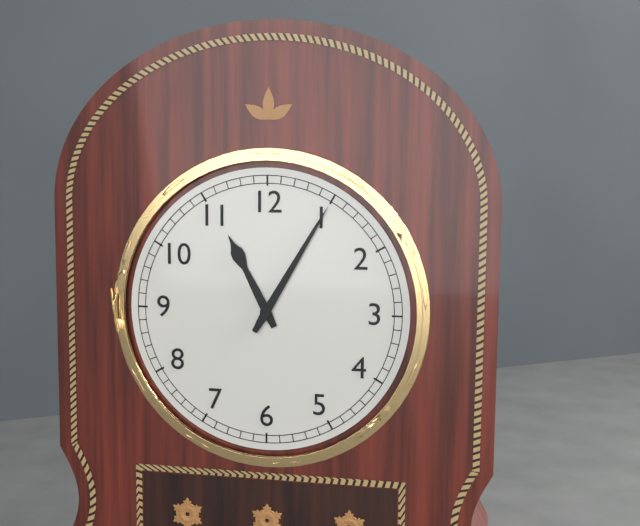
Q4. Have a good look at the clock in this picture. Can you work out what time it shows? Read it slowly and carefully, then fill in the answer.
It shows 11:05
